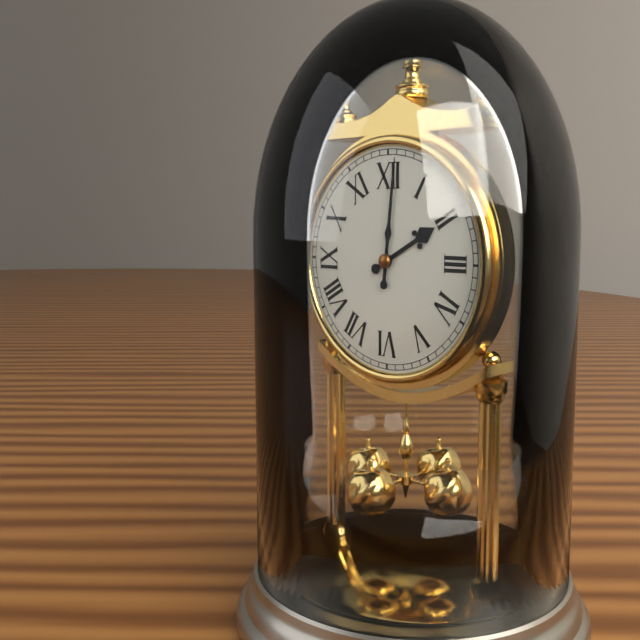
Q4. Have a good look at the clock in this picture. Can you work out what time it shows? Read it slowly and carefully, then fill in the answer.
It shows 2:01
